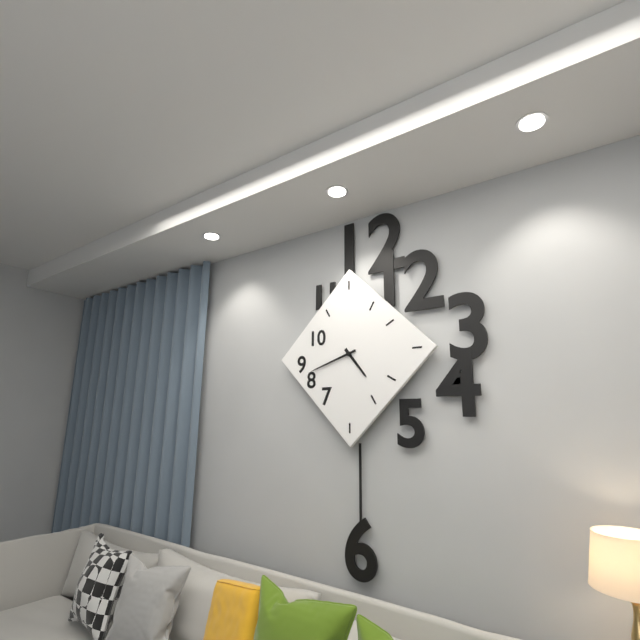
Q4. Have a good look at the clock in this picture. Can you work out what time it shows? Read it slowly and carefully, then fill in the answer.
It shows 4:42
